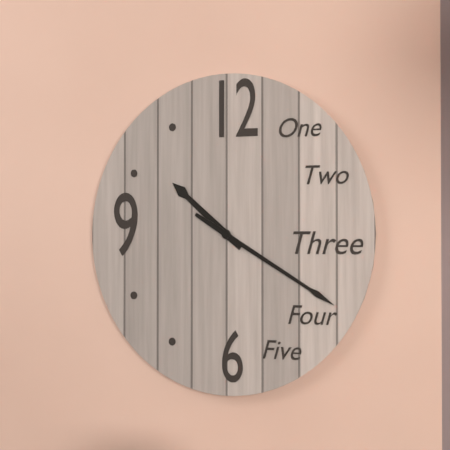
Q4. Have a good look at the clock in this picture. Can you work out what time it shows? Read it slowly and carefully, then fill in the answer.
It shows 10:20
